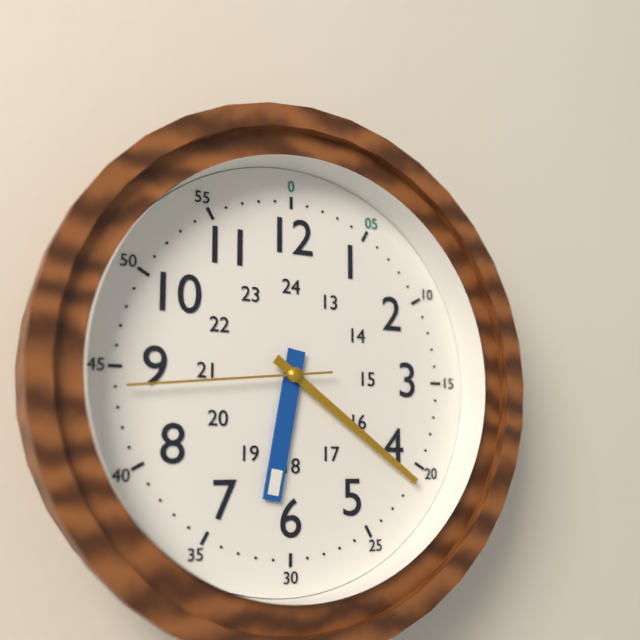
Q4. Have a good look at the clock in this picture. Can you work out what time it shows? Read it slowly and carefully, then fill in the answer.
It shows 6:21:44
